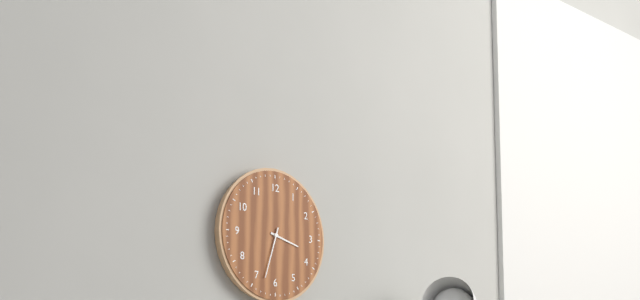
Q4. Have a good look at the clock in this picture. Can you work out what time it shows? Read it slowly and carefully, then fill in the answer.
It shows 3:33
